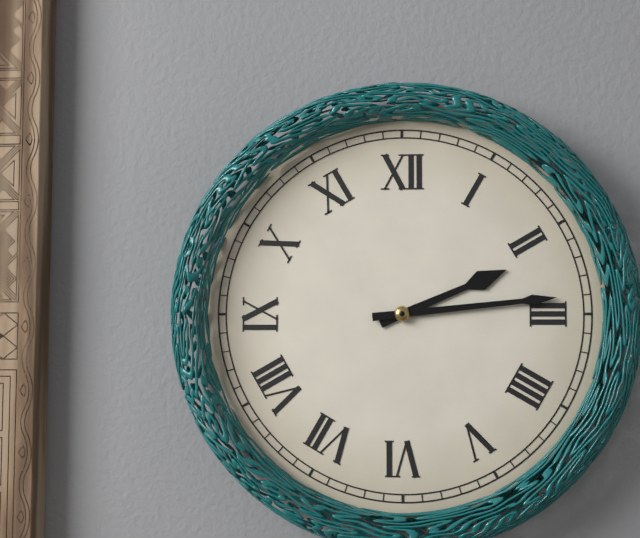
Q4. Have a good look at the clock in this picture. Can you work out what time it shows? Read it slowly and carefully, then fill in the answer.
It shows 2:14
